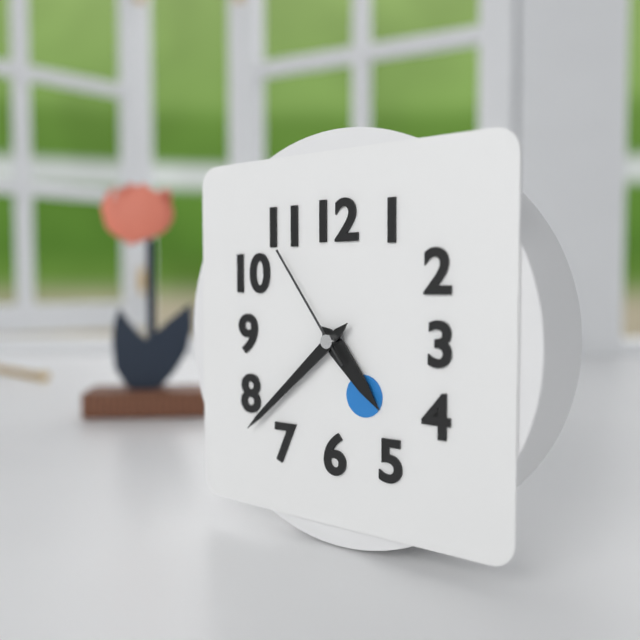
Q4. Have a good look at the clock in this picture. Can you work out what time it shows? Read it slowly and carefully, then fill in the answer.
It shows 4:38:54
